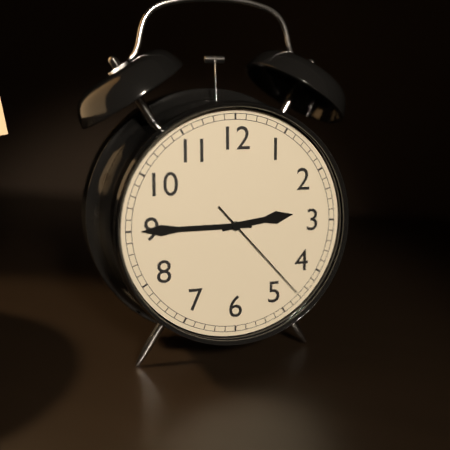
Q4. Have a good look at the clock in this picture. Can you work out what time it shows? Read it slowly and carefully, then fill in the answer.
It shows 2:45:23
